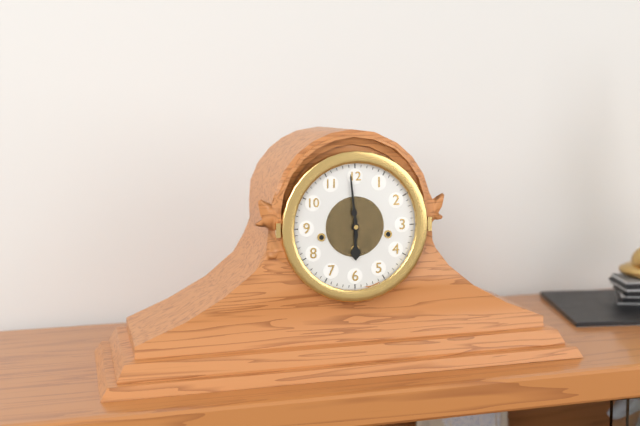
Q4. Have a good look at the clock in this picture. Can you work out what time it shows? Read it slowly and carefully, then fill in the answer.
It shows 5:59
